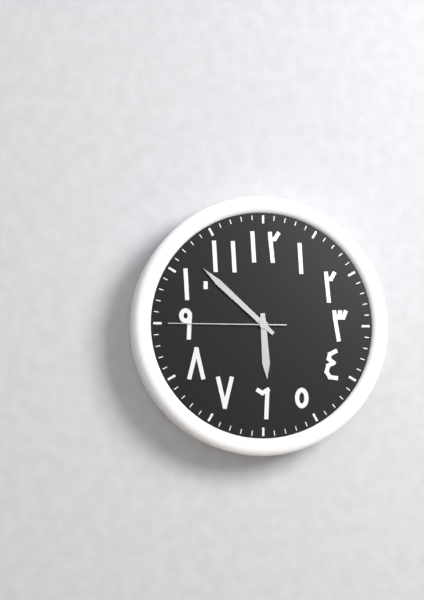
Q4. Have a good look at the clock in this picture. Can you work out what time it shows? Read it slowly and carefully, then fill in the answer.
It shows 5:52:45
